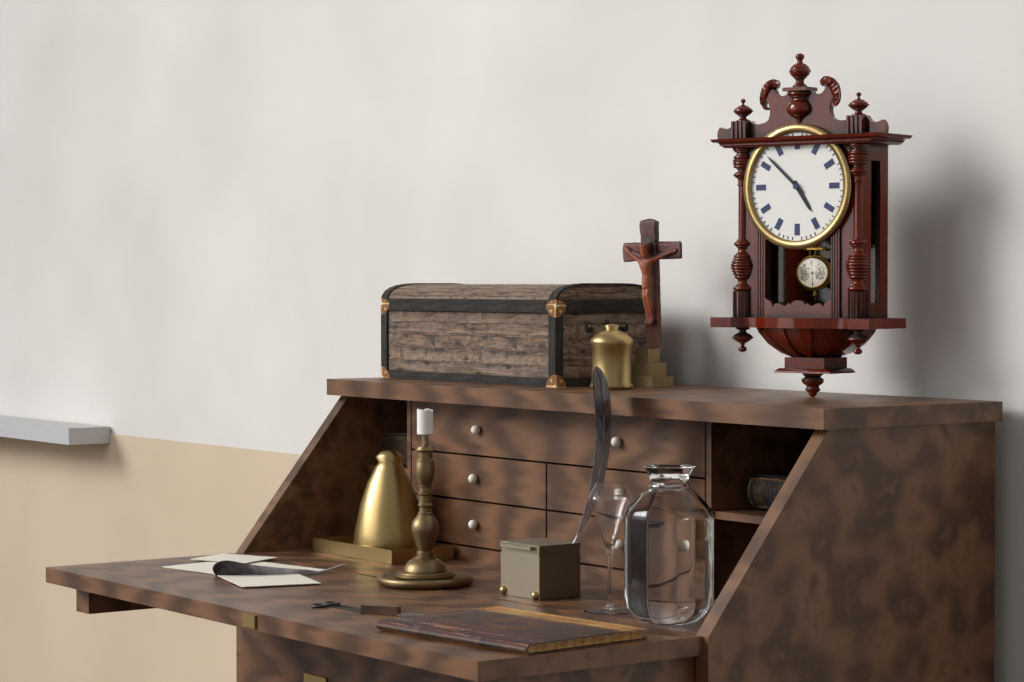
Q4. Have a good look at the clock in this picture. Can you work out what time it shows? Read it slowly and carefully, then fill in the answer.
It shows 4:52
